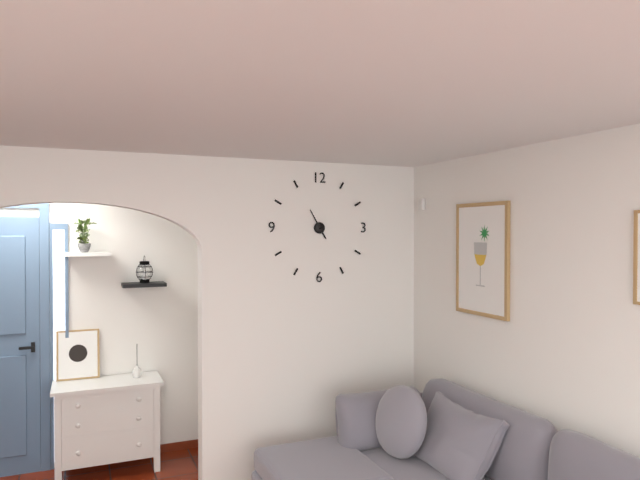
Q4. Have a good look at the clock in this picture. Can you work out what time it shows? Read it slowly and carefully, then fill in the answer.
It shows 4:55
